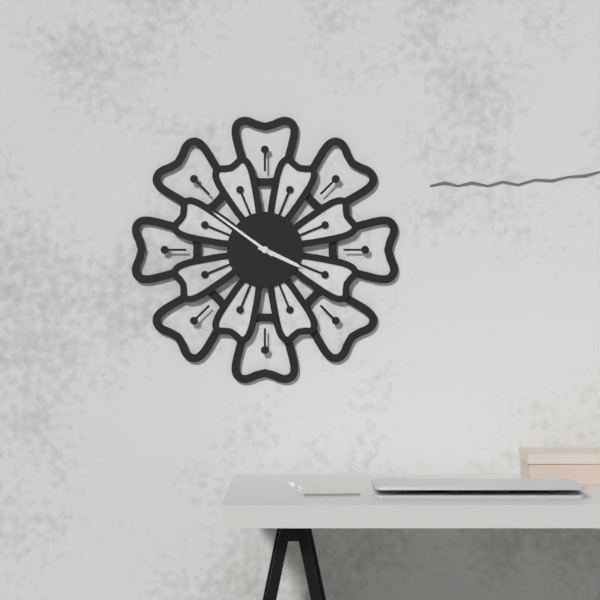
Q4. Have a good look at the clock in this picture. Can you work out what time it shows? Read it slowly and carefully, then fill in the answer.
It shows 3:51
